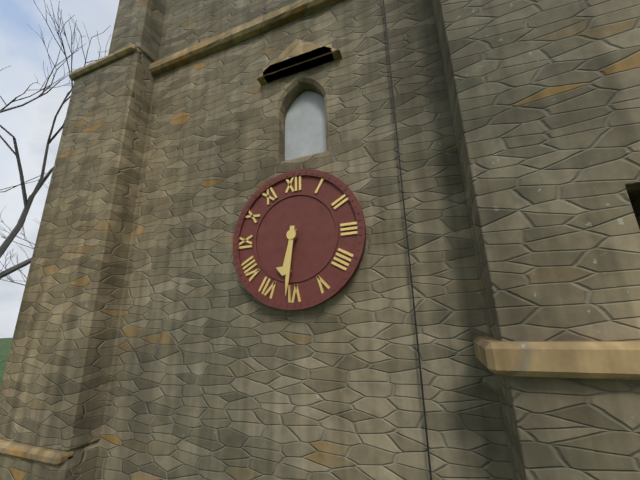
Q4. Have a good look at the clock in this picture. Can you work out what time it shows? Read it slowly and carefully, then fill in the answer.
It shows 6:31
